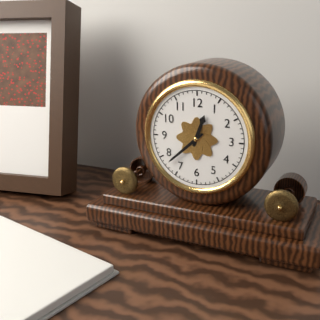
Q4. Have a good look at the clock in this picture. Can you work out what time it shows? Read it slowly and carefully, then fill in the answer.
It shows 12:38
